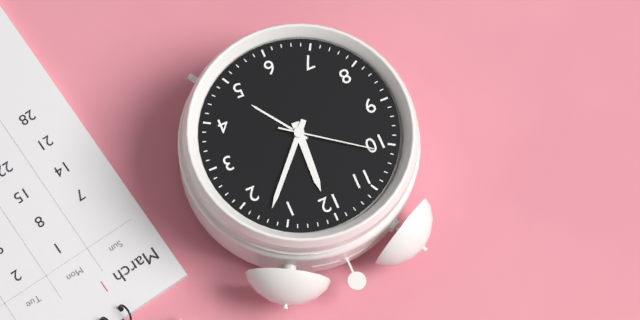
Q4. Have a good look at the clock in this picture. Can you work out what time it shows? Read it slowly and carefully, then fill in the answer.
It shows 12:07:51
